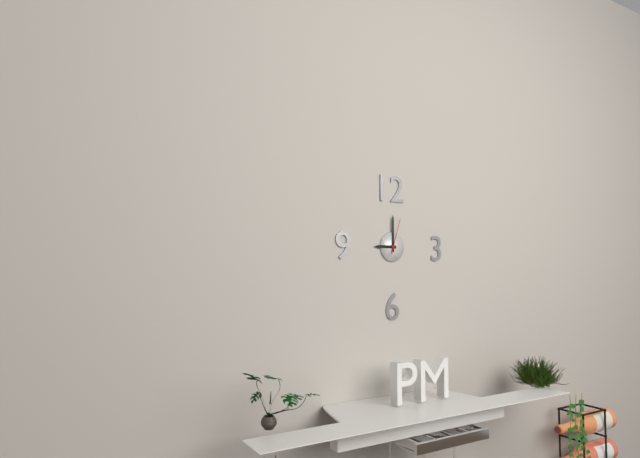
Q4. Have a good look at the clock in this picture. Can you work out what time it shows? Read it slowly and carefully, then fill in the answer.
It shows 9:00
